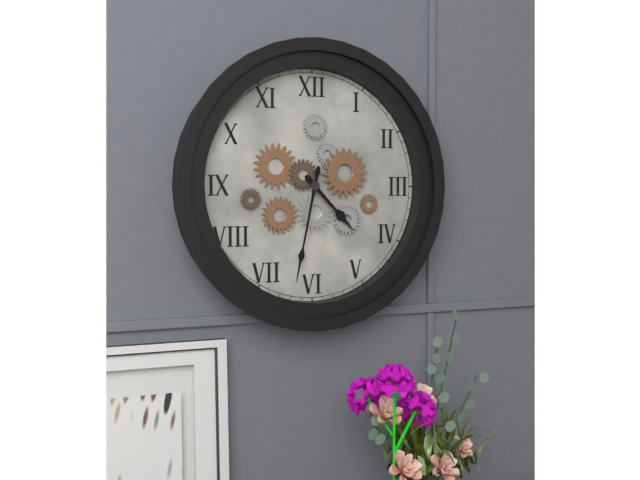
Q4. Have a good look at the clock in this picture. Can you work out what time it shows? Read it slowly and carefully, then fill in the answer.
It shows 4:32
